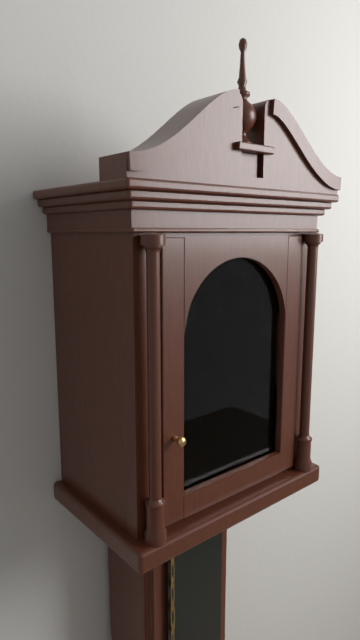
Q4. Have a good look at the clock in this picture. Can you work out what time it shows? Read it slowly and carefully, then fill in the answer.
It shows 12:03
